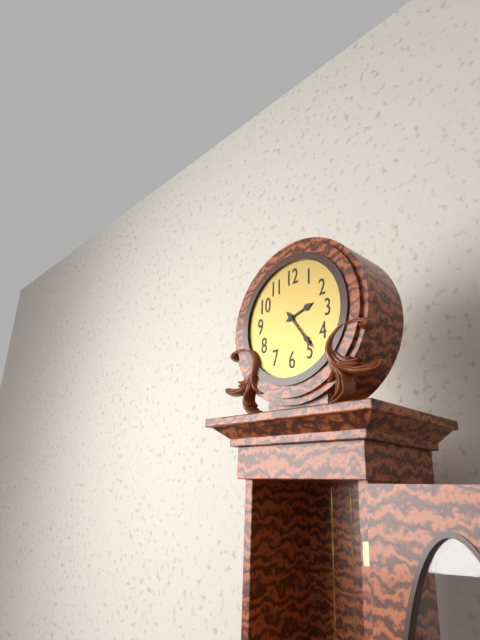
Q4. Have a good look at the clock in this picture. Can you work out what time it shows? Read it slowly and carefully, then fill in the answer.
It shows 2:24
